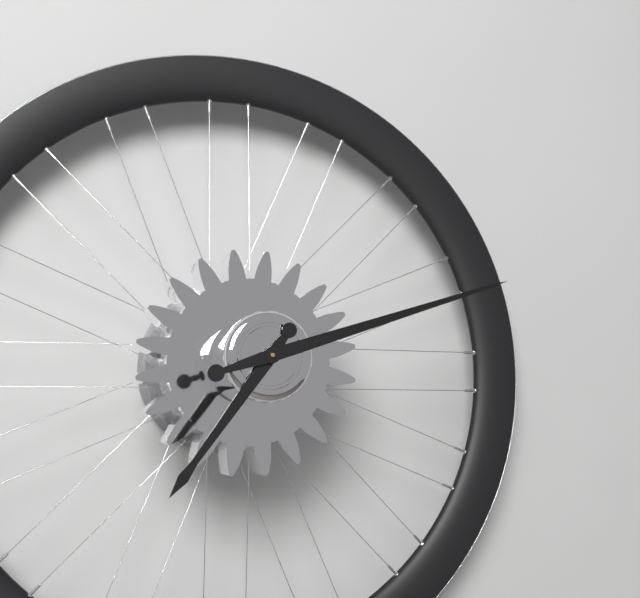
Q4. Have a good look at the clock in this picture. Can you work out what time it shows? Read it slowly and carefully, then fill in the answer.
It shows 7:12
